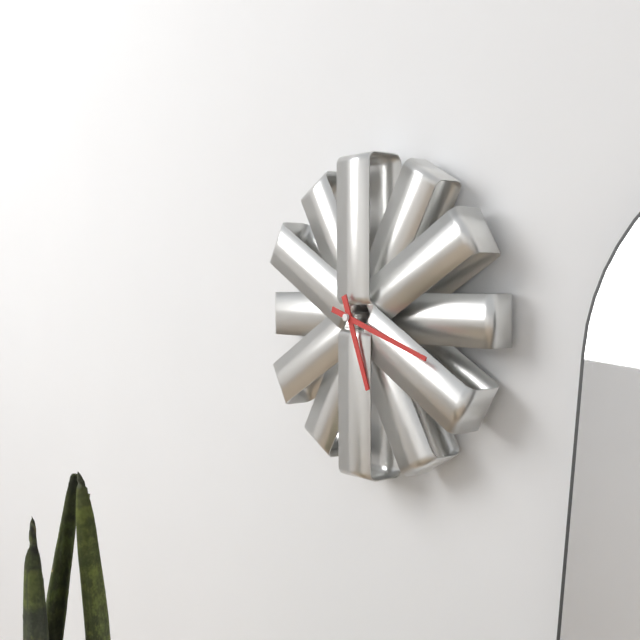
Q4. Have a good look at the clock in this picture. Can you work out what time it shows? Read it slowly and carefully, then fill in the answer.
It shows 5:18
